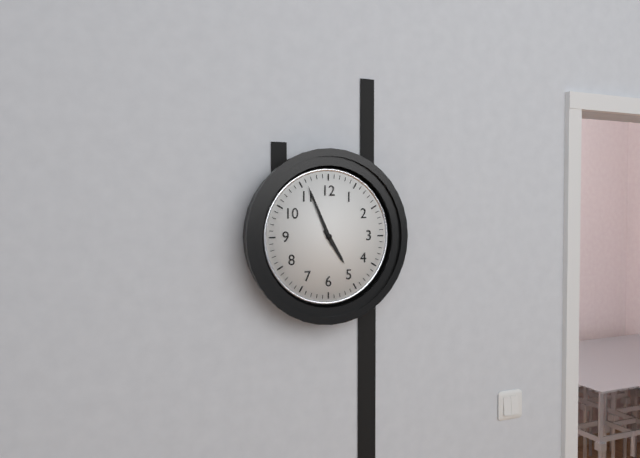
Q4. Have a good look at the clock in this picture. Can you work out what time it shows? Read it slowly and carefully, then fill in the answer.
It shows 4:56
